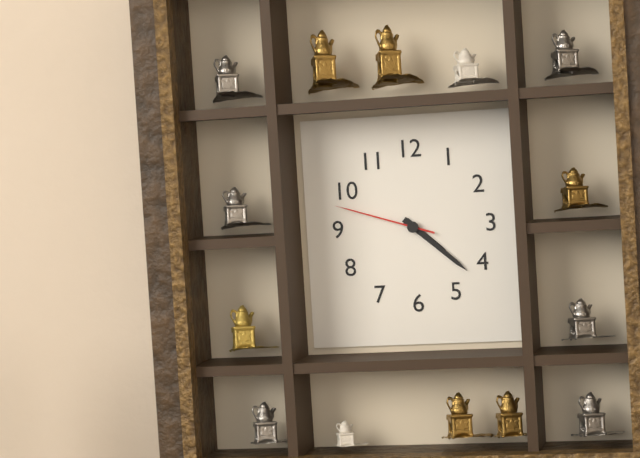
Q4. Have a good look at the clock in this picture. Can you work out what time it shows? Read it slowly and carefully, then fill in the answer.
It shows 4:22:48
